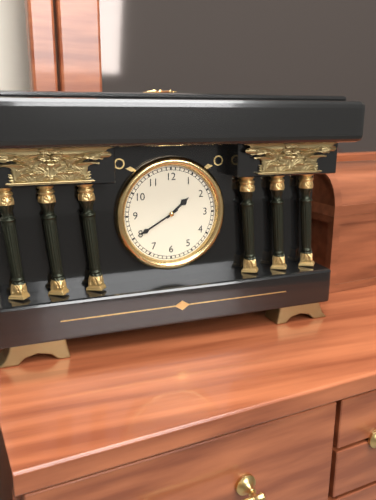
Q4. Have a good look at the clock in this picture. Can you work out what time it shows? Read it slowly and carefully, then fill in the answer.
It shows 1:40
